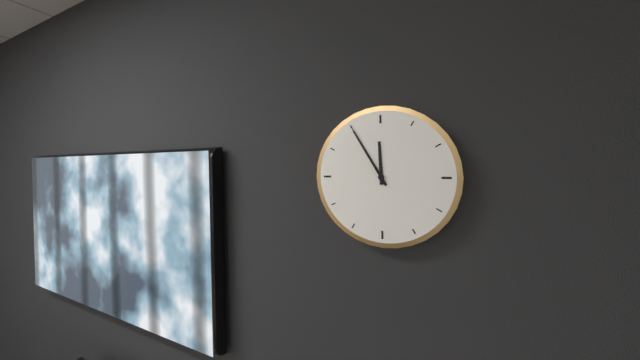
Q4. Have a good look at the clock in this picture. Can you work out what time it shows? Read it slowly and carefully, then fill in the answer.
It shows 11:55
